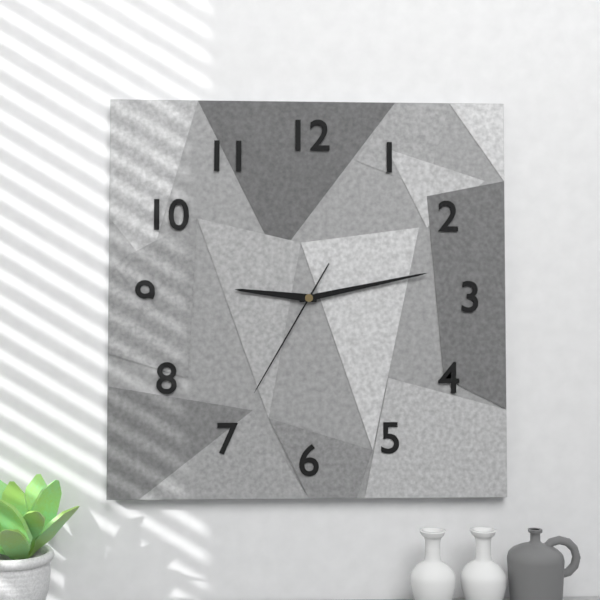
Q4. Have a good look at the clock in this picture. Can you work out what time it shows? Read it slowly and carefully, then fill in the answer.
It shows 9:13:35
